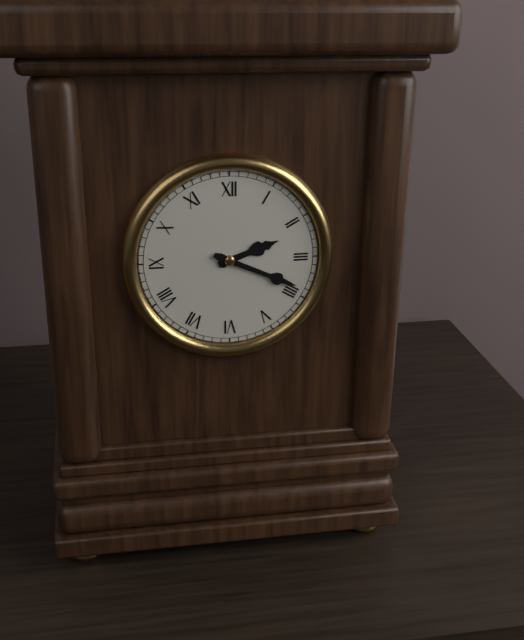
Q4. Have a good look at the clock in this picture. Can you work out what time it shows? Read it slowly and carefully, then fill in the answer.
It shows 2:19
